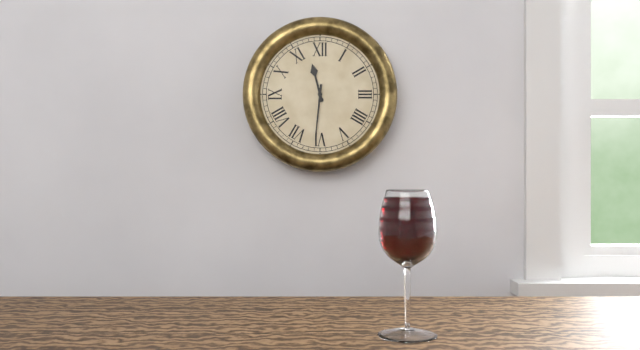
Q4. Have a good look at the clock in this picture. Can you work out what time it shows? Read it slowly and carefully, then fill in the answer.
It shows 11:31
